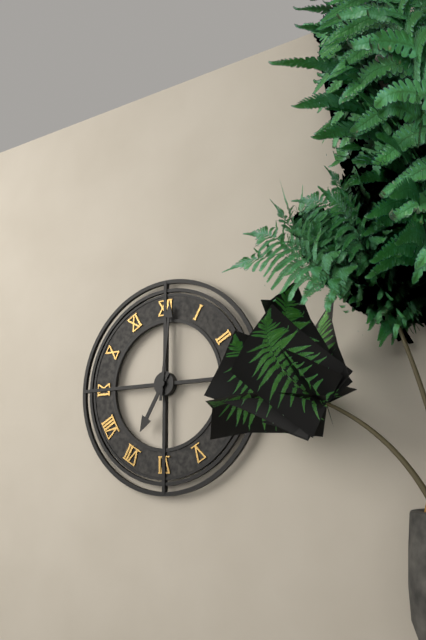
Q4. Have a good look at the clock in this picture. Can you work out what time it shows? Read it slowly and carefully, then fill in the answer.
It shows 7:01
